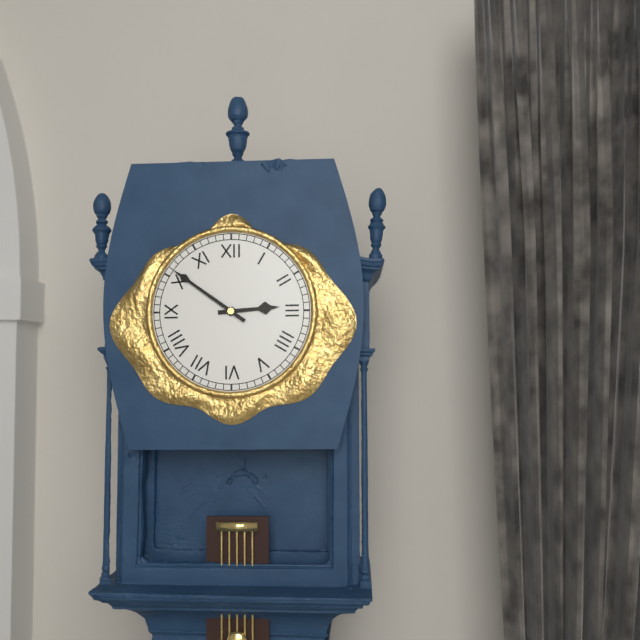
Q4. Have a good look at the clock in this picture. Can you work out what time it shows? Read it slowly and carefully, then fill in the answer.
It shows 2:51
